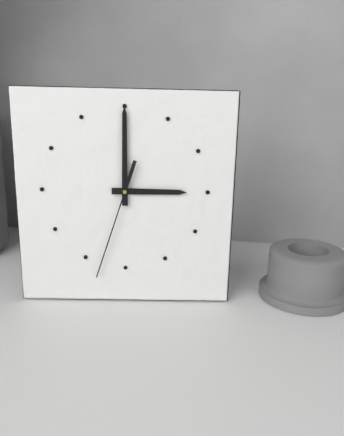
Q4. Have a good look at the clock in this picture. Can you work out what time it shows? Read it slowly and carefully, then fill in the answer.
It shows 3:00:33
